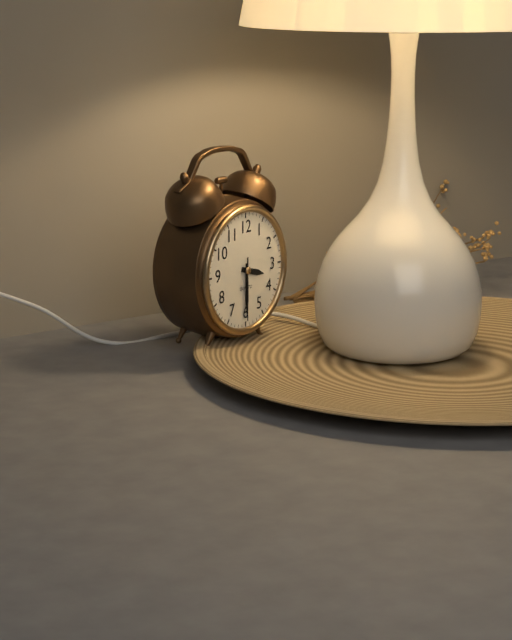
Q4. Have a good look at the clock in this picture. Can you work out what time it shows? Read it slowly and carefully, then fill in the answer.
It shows 3:30:30
